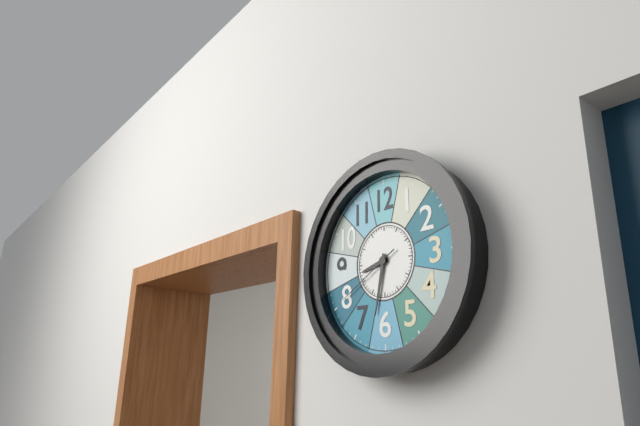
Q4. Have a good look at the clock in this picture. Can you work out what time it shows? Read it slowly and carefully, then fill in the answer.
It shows 8:32:40
